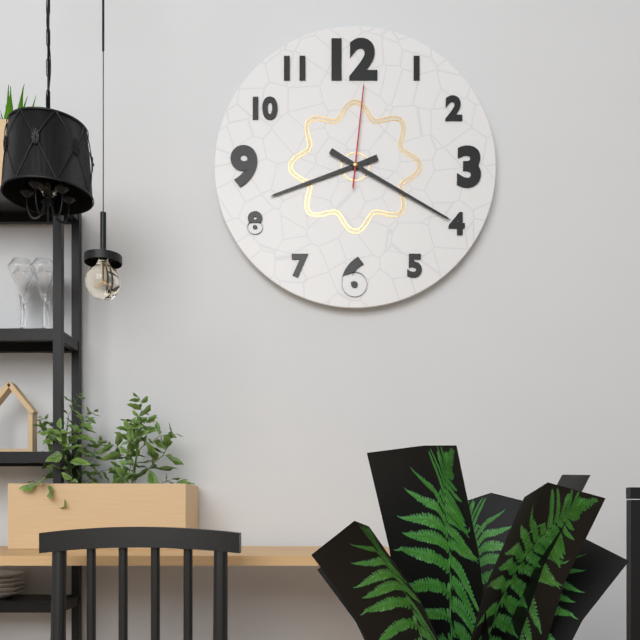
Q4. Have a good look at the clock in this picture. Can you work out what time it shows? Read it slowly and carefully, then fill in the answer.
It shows 8:20:01
